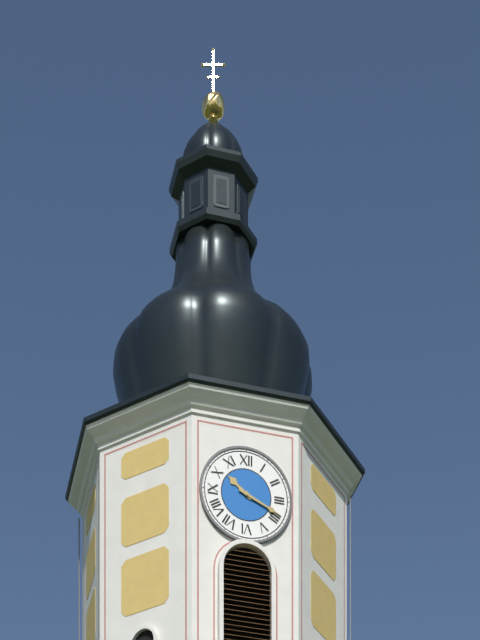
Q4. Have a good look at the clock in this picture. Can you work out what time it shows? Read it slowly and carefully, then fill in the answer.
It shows 10:19
